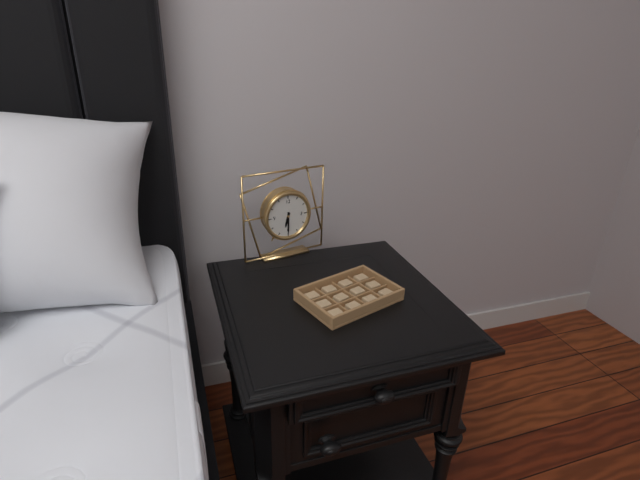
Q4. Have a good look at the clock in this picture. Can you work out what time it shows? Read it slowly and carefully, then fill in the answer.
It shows 6:30
